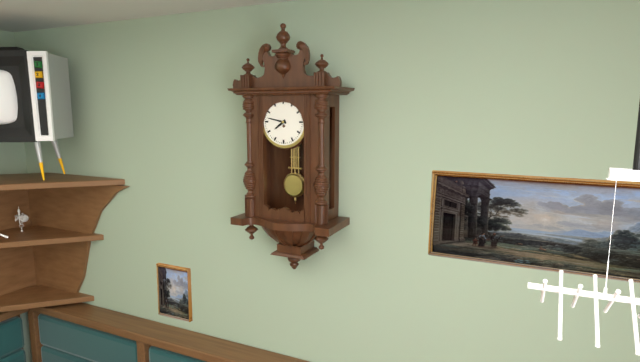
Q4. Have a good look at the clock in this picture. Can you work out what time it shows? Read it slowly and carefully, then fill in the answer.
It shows 7:47
